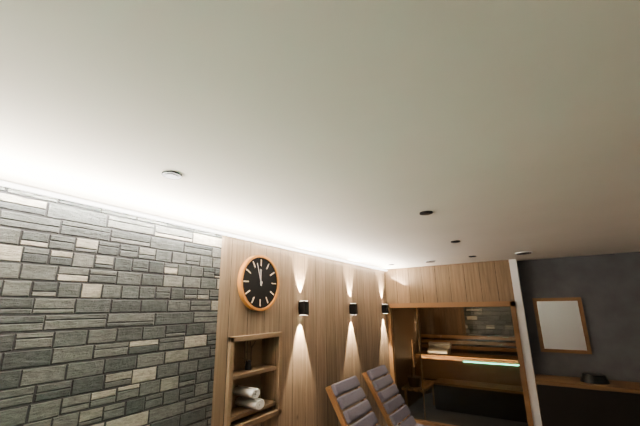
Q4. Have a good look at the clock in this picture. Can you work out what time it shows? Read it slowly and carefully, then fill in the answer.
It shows 11:57
